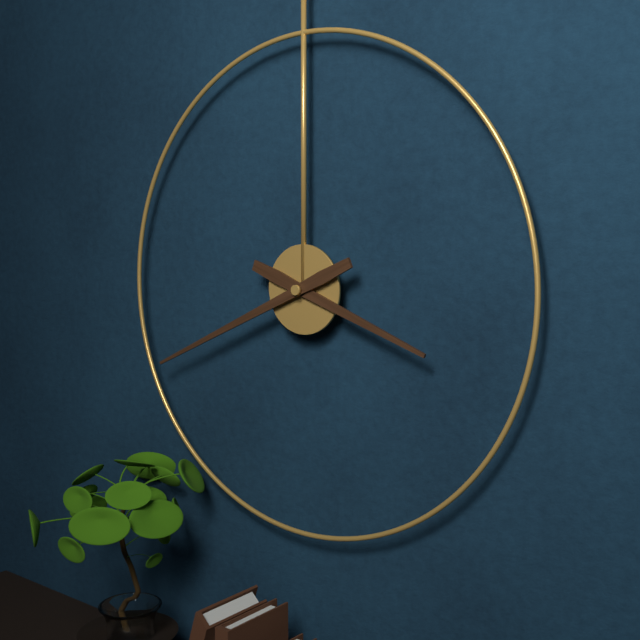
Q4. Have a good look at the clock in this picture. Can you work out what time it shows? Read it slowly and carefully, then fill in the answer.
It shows 3:41
